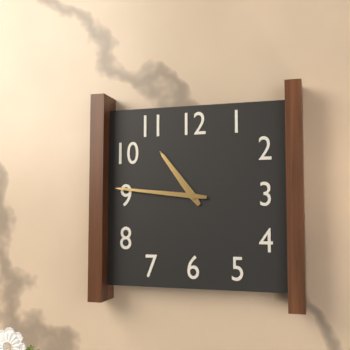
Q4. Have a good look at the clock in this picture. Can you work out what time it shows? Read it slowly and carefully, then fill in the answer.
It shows 10:46
